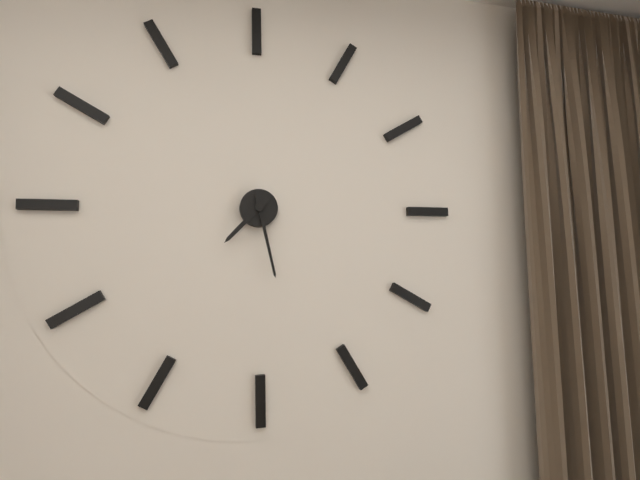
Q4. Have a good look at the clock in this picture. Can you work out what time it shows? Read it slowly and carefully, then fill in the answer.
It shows 7:28
